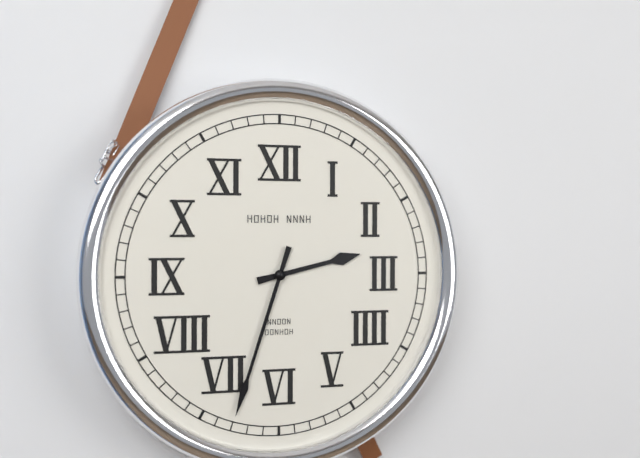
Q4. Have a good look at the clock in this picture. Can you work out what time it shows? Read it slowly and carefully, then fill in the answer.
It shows 2:33
